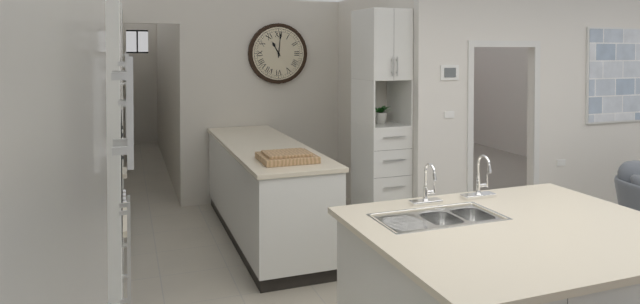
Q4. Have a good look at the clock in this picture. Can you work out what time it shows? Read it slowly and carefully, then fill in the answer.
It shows 11:01
